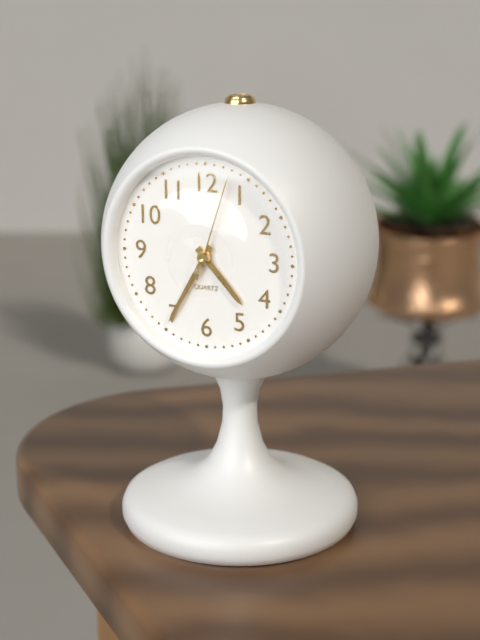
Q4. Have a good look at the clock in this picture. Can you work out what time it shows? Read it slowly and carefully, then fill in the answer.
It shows 4:35:03
